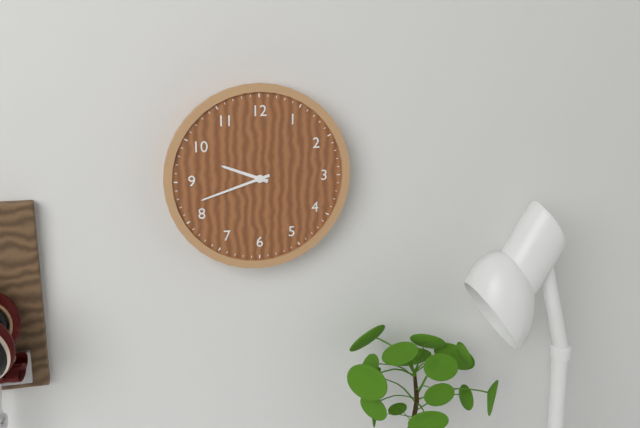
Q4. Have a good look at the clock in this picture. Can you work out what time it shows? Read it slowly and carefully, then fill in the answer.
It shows 9:42
